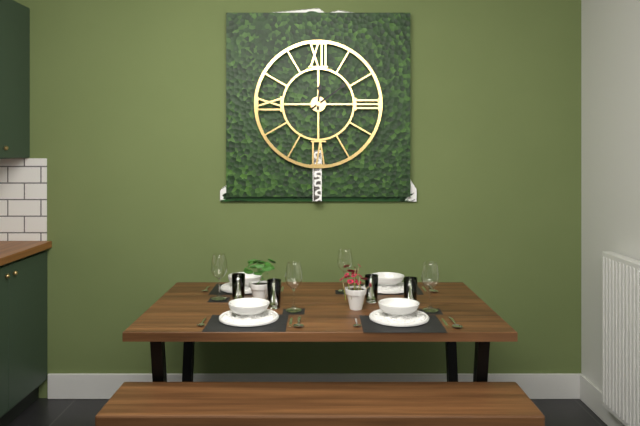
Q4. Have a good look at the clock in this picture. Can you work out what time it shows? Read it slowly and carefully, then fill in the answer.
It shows 12:09
